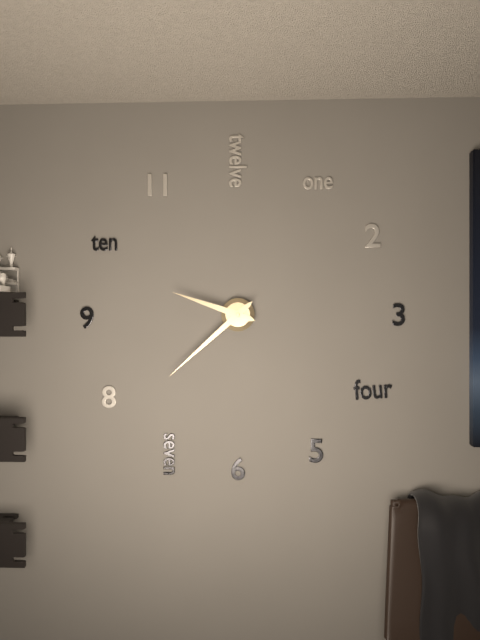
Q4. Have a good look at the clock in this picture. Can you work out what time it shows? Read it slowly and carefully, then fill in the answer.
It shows 9:38
